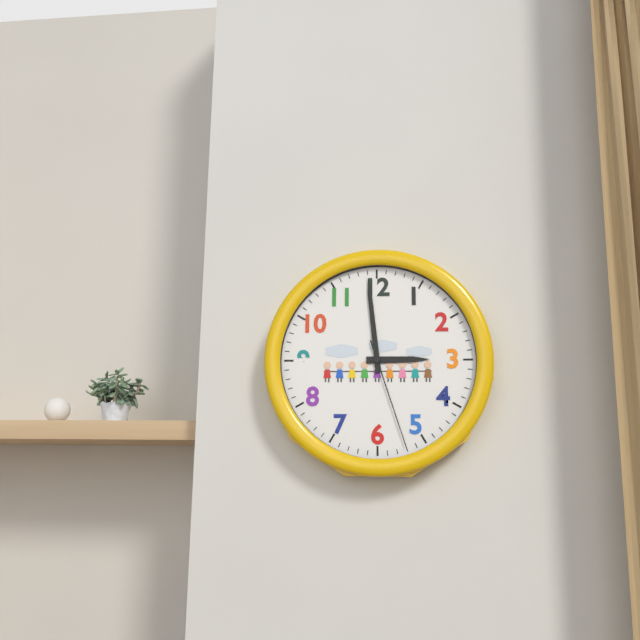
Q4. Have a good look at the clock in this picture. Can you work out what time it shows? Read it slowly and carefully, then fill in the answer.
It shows 2:59:27
